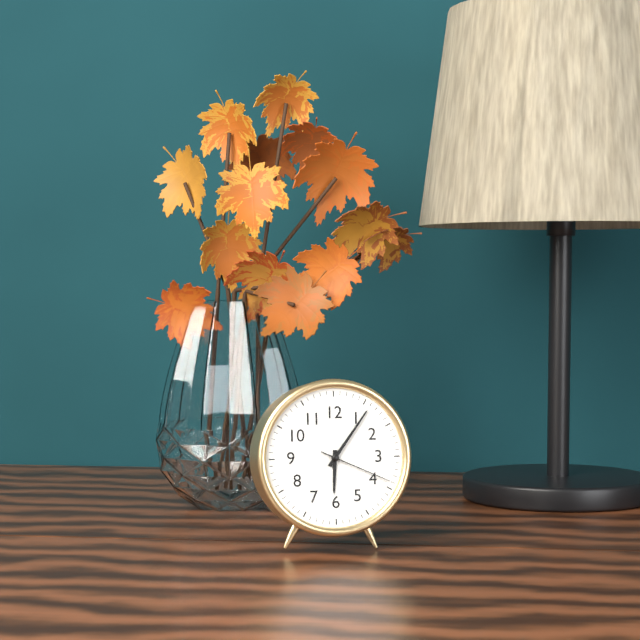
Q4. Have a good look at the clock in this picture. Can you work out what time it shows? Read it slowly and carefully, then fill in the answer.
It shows 6:06:19
